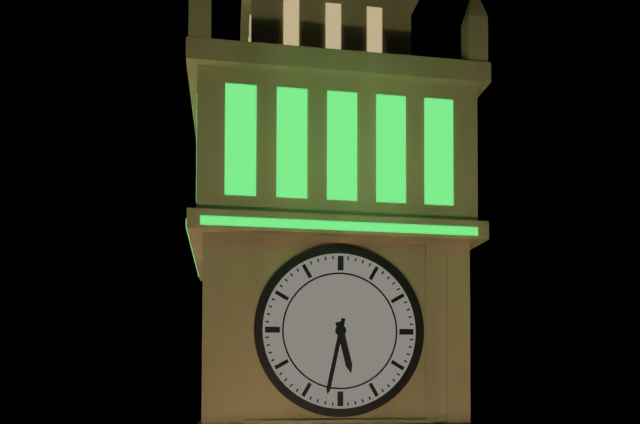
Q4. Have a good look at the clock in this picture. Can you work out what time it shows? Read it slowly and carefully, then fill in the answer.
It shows 5:32
